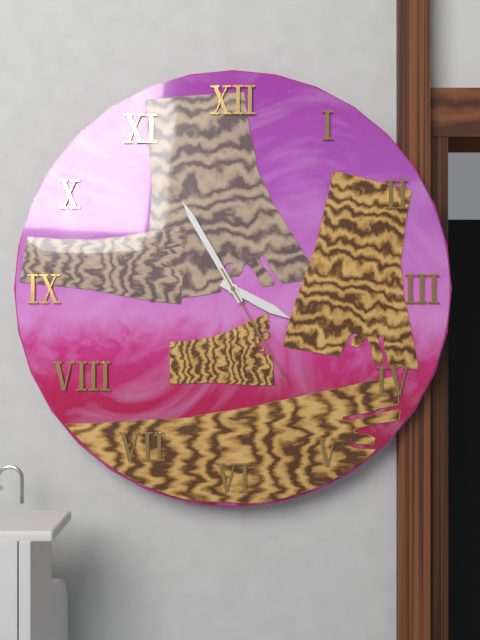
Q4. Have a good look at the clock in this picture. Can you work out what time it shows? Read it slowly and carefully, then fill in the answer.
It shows 3:55:25
